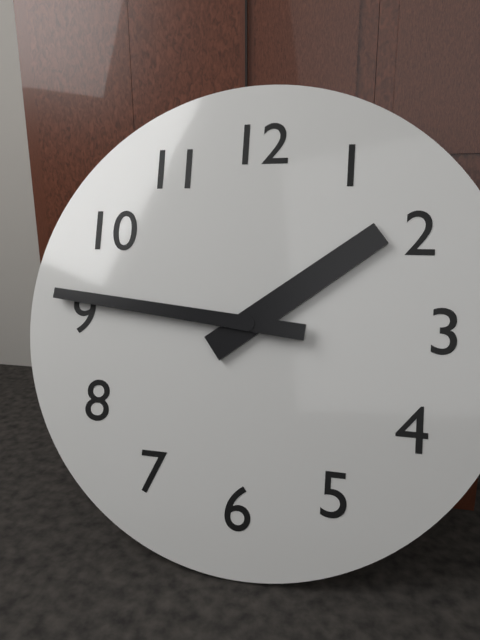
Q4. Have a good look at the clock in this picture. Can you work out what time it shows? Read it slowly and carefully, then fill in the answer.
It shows 1:46
